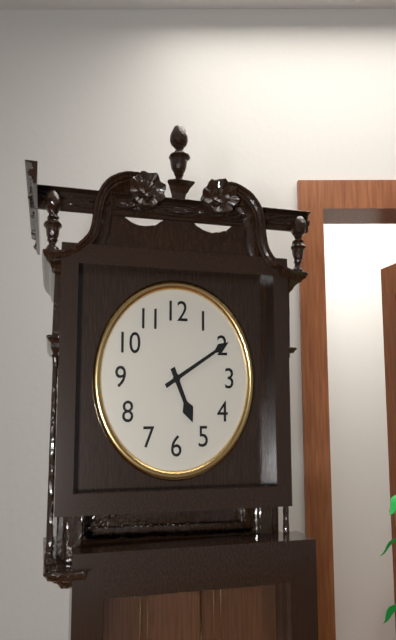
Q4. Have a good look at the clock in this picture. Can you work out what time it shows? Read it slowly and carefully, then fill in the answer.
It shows 5:10
